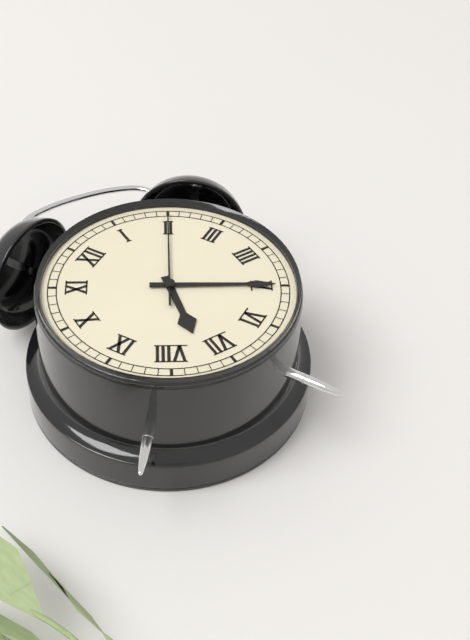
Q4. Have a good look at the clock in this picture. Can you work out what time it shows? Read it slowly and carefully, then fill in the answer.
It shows 7:25:10
